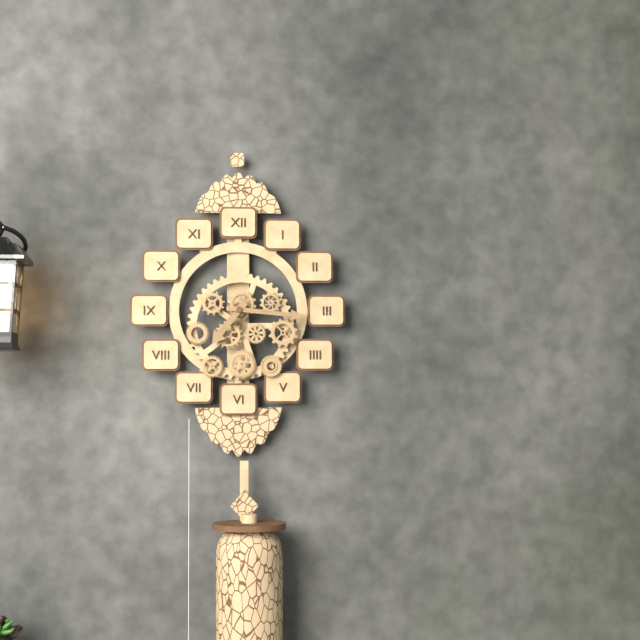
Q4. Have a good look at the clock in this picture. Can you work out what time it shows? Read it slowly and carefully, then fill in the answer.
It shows 7:16
